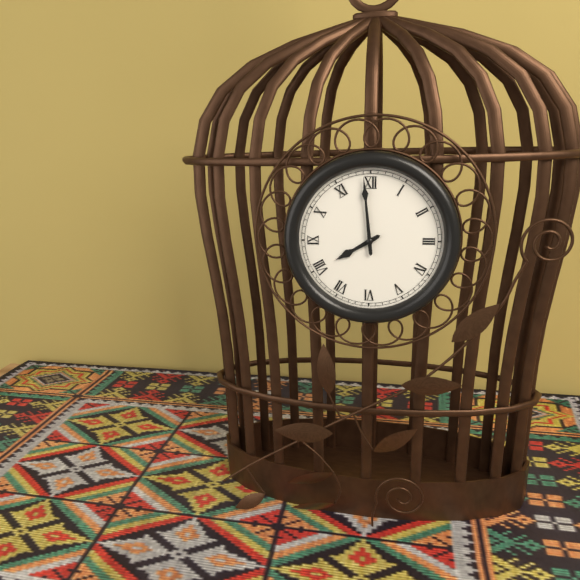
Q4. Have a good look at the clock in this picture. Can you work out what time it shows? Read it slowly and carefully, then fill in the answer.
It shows 7:59
